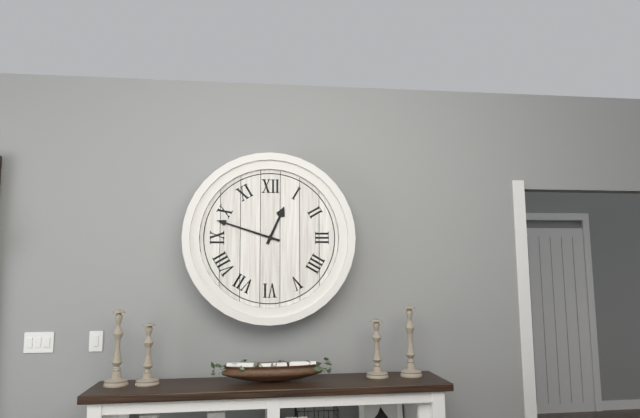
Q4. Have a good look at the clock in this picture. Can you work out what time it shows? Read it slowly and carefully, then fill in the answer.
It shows 12:48
